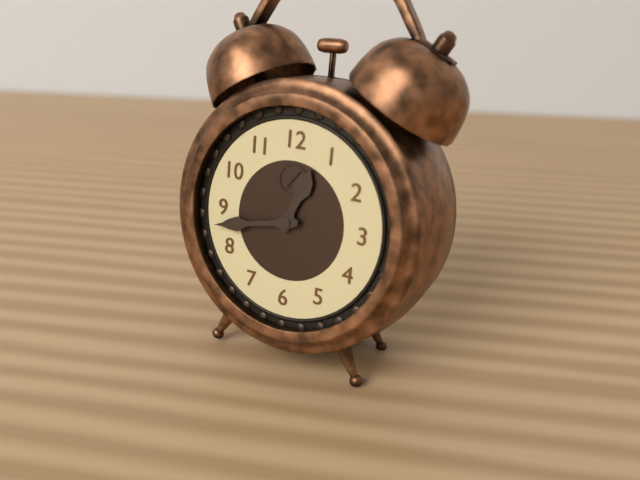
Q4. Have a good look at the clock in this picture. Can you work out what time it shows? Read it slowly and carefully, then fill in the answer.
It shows 12:43
